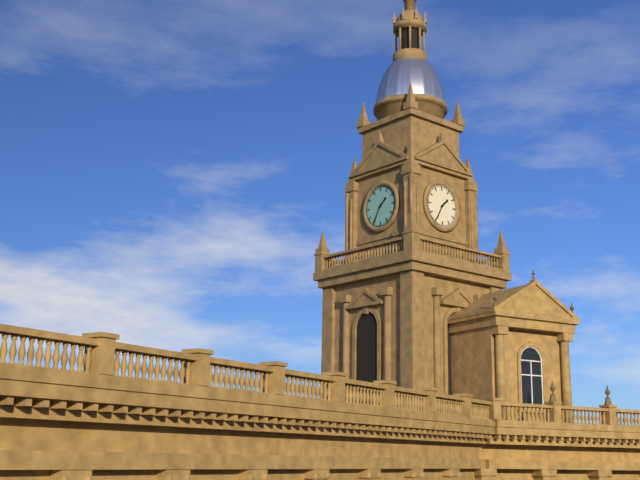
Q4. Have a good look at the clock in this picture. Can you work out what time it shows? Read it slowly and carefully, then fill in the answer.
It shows 1:35
